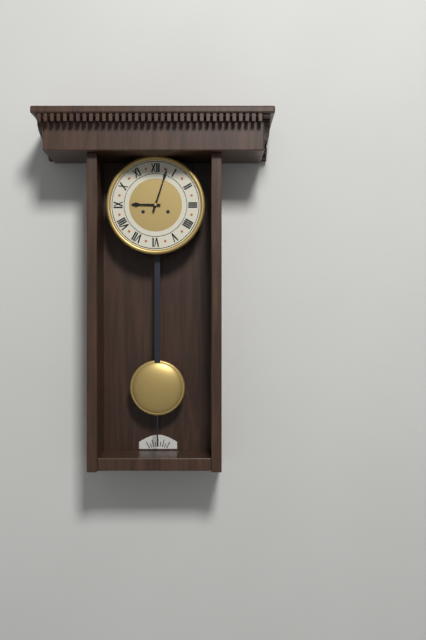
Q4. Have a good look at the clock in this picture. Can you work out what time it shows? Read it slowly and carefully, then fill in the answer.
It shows 9:03
